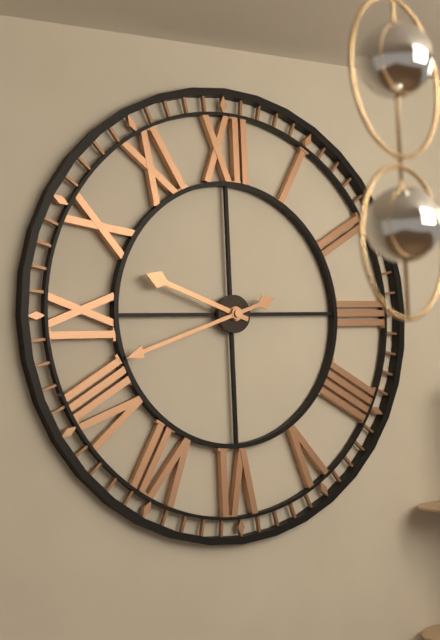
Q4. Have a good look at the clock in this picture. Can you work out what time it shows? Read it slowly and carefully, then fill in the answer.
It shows 9:42
